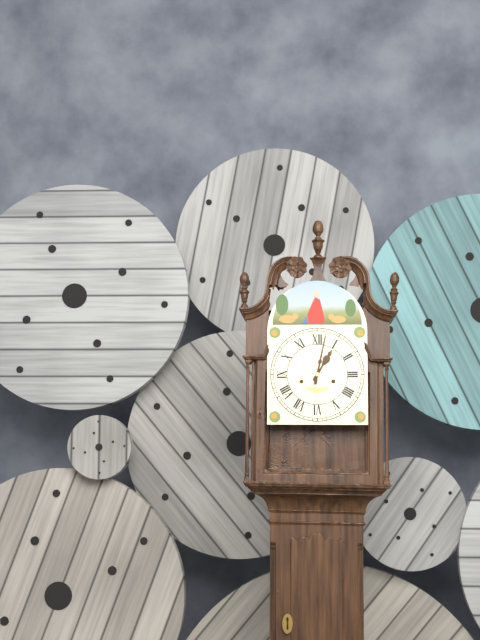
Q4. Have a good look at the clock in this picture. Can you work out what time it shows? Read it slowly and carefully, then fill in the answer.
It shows 1:02
